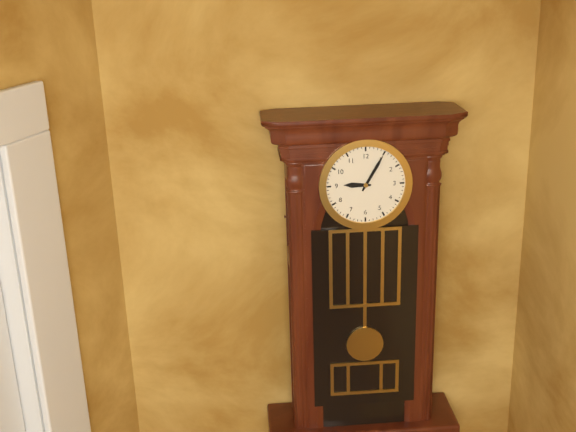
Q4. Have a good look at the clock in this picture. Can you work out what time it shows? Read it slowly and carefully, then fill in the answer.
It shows 9:05
